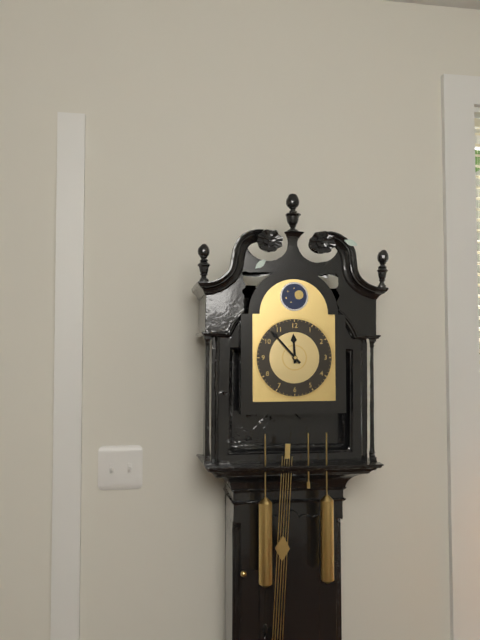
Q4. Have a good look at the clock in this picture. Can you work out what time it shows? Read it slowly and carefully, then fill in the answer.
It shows 11:53
